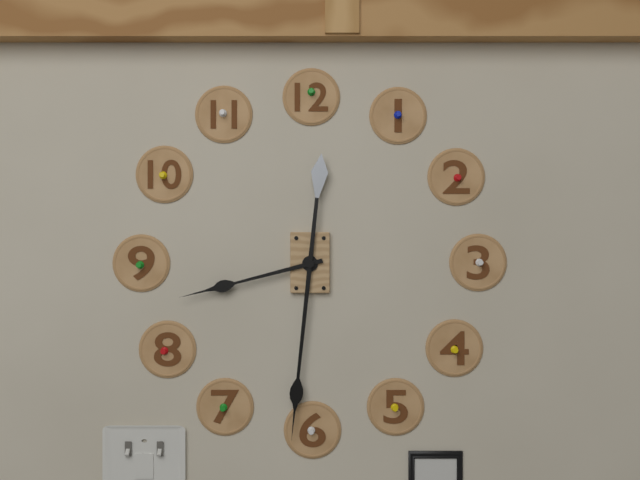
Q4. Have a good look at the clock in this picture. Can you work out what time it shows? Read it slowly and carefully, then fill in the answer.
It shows 8:31
